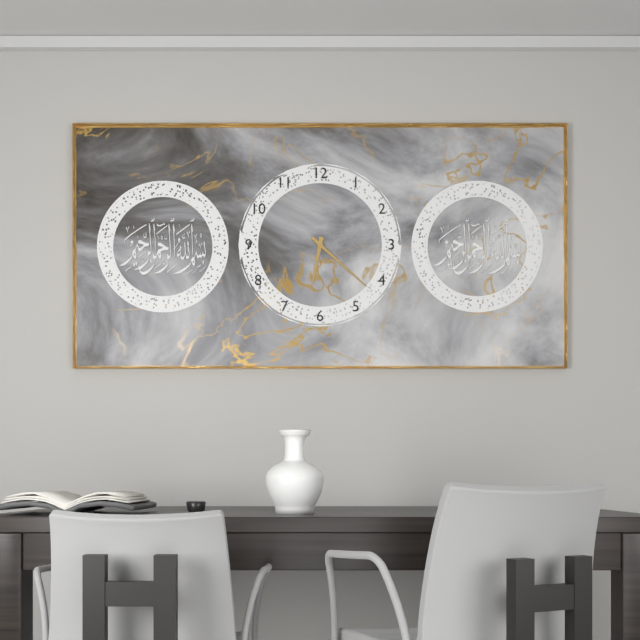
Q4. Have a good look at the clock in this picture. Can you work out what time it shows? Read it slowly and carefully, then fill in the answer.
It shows 6:22
